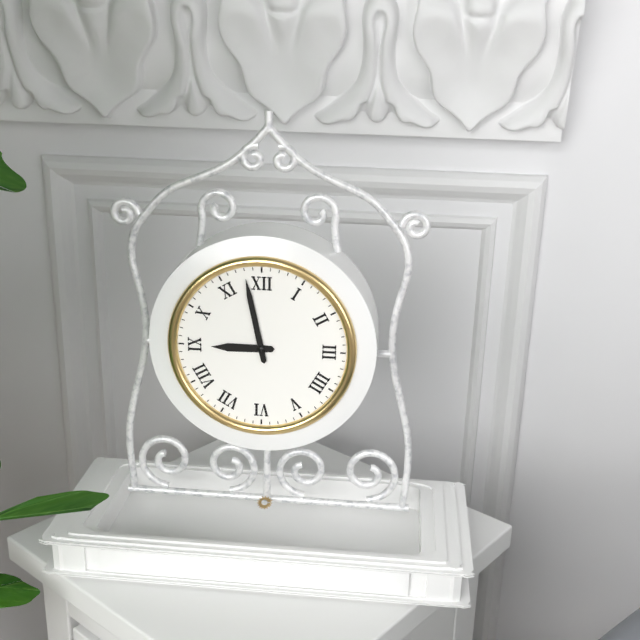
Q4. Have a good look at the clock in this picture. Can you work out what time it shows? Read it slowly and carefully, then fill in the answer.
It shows 8:58
